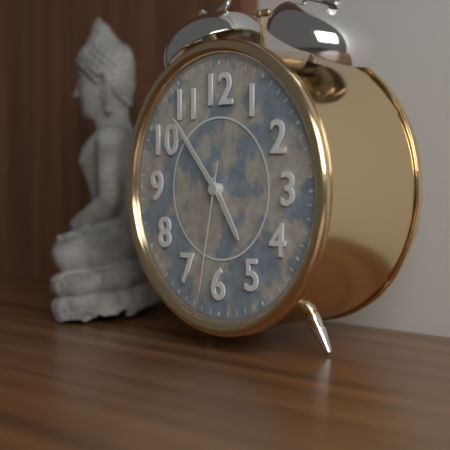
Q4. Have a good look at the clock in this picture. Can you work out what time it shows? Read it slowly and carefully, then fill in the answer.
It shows 4:53:32
